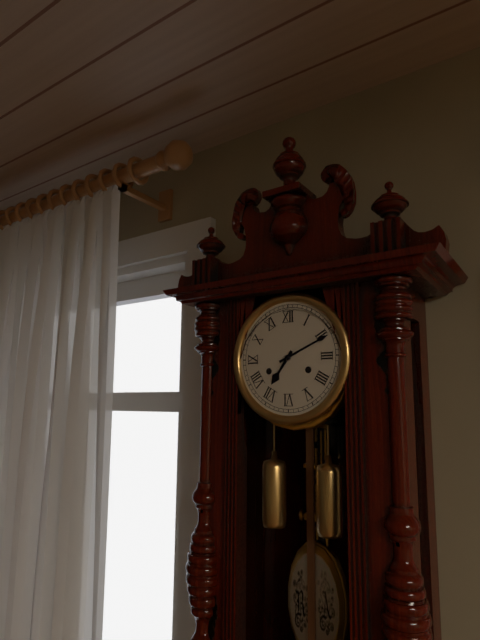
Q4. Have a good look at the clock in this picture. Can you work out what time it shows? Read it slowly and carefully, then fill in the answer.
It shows 7:11
